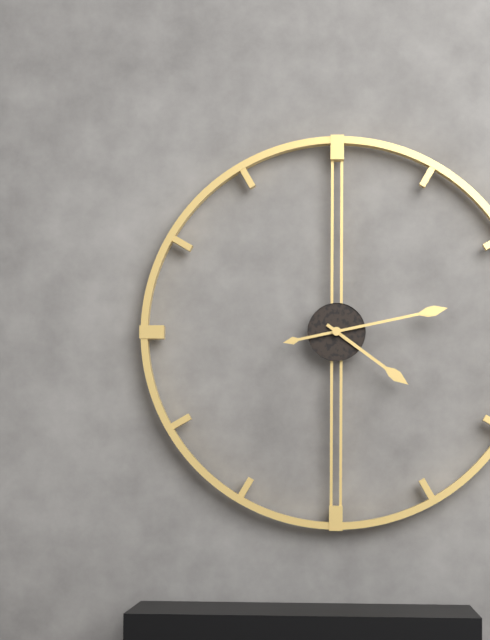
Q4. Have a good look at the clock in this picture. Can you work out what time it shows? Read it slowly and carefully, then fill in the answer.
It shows 4:13
